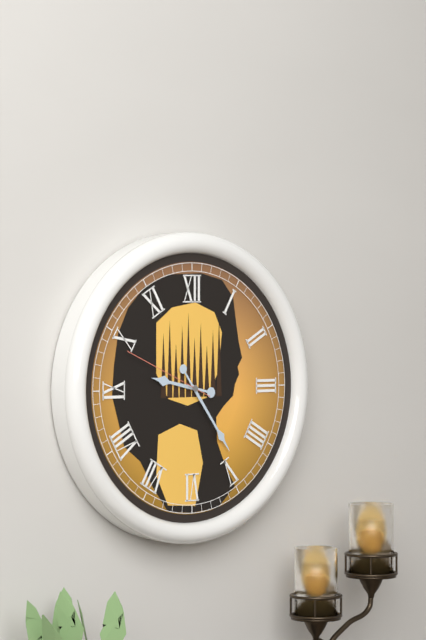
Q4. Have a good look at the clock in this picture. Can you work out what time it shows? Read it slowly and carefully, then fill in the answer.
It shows 9:24:49
